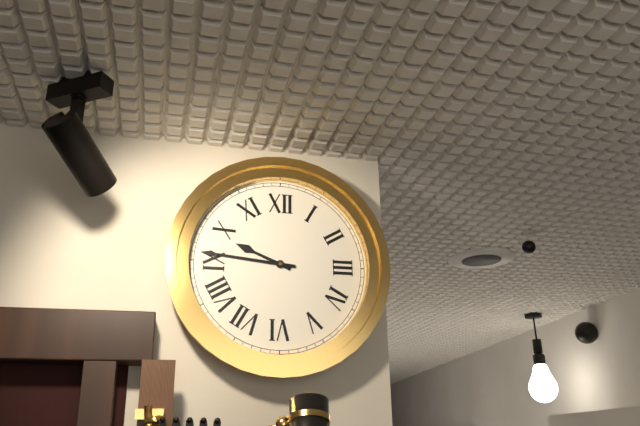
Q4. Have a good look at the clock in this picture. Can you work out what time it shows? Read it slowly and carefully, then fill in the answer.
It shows 9:46
